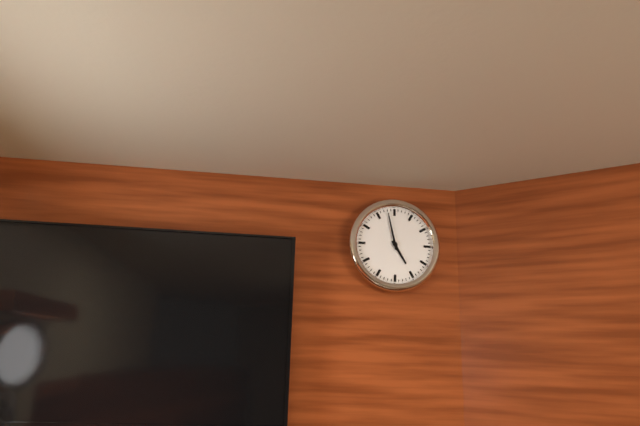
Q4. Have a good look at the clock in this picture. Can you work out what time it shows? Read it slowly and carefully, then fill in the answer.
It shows 4:58
